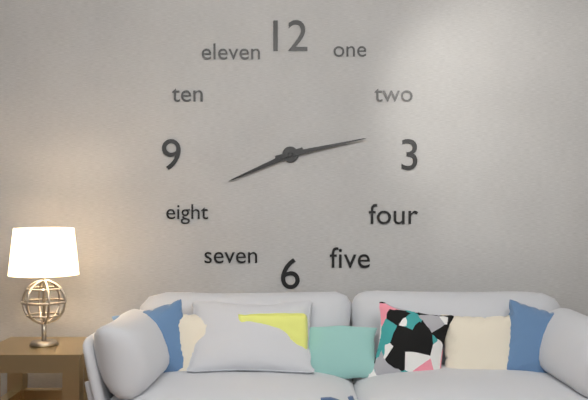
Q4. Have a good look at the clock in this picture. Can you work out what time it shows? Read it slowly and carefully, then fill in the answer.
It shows 8:13
